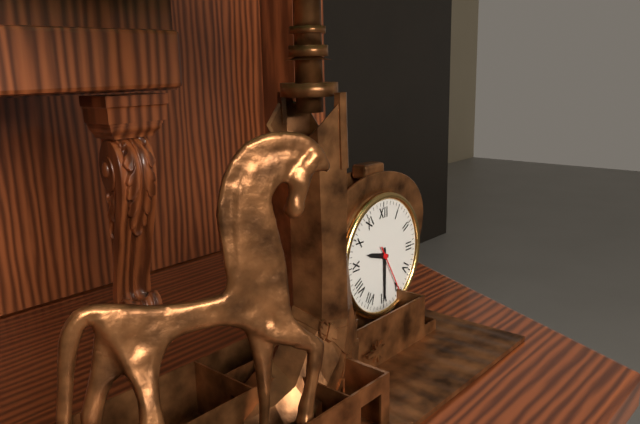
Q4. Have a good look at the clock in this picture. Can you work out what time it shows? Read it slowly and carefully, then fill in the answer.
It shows 9:30:25
